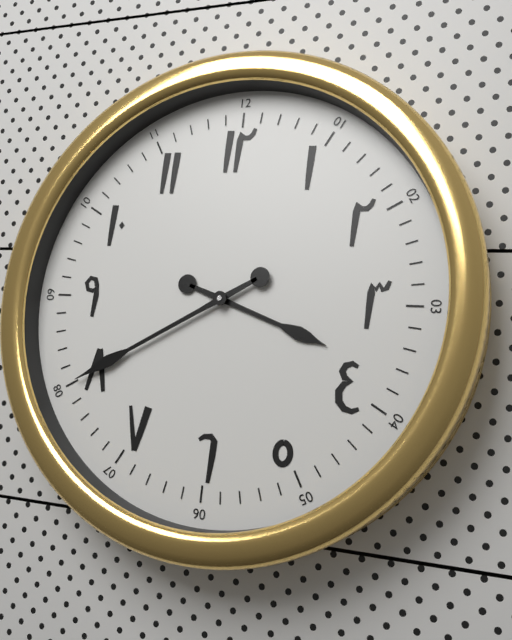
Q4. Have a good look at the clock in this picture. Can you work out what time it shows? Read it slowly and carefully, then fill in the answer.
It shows 3:40
